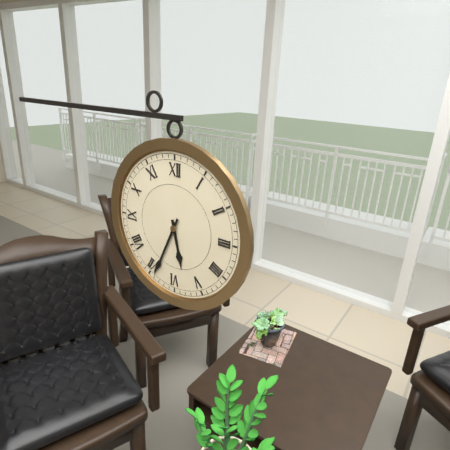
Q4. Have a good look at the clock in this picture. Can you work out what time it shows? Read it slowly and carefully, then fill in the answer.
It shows 5:34
